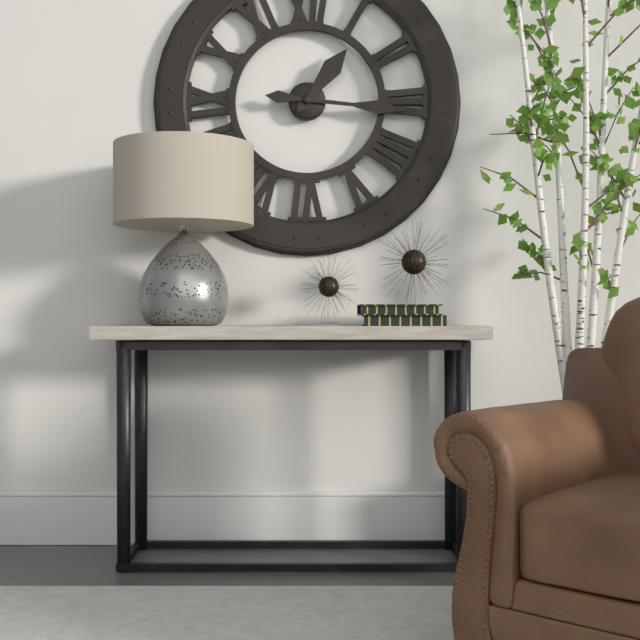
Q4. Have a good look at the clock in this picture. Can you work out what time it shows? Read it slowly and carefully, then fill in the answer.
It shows 1:16
